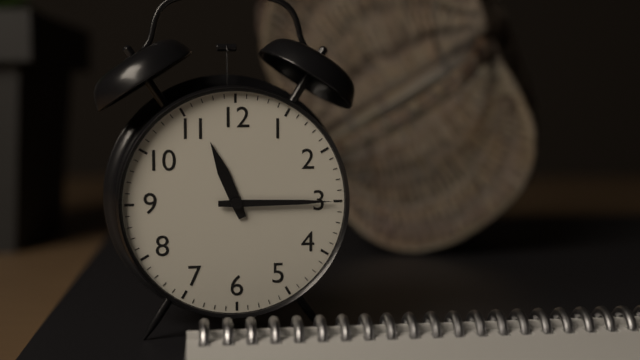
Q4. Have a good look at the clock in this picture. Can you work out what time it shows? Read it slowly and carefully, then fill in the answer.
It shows 11:15
